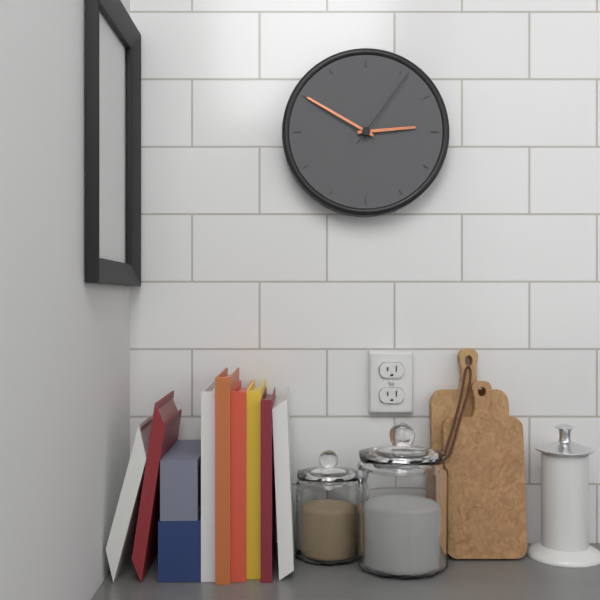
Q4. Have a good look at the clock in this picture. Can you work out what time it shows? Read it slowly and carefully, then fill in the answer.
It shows 2:50:06
